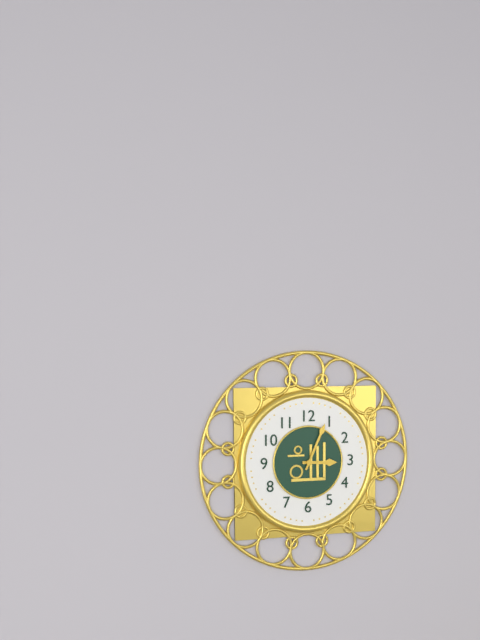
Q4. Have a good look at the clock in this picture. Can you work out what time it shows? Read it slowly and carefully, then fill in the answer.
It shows 3:04
